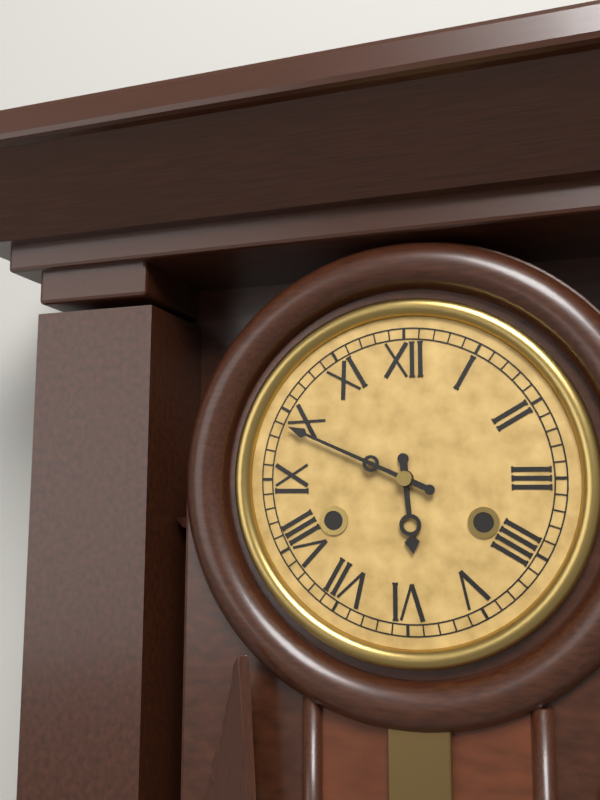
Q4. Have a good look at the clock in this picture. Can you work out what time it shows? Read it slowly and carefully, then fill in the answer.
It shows 5:49
